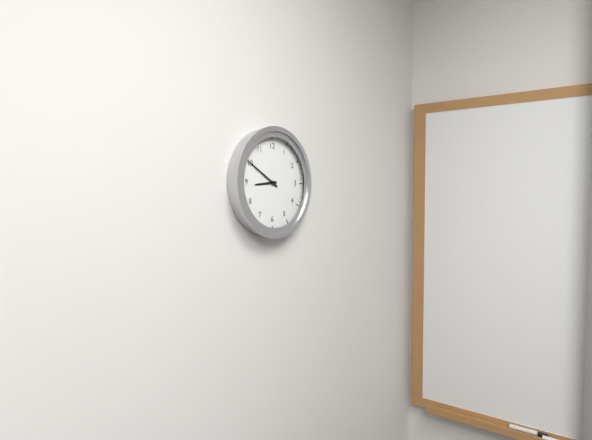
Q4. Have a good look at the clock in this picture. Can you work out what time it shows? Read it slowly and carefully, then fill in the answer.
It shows 8:50
